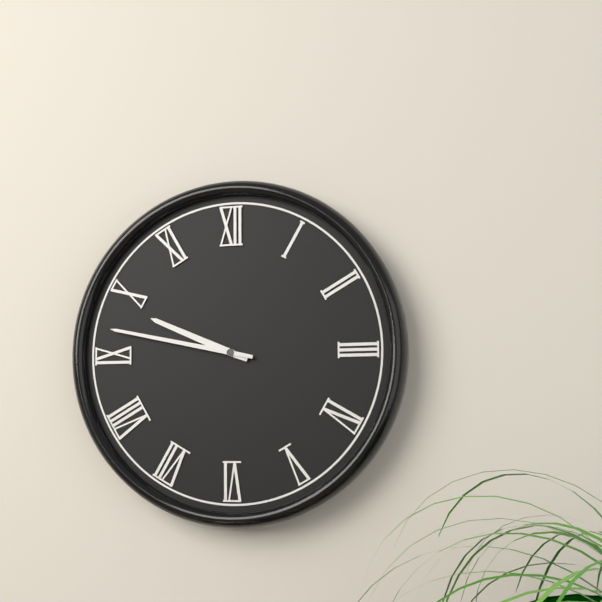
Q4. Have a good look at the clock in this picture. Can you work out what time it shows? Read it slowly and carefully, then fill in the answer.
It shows 9:47
